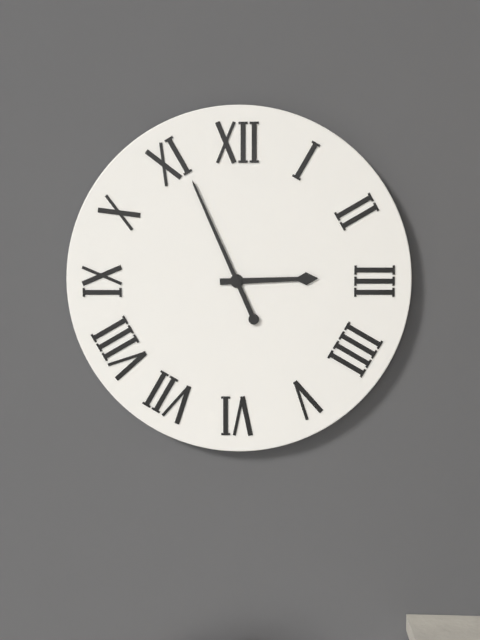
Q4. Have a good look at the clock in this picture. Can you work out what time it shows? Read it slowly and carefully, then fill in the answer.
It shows 2:56
